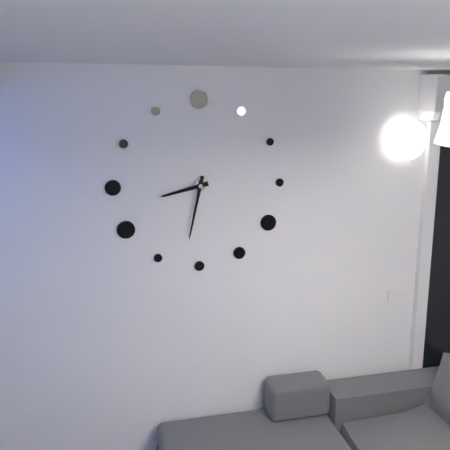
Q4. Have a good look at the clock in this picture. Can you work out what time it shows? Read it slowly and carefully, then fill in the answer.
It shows 8:32
